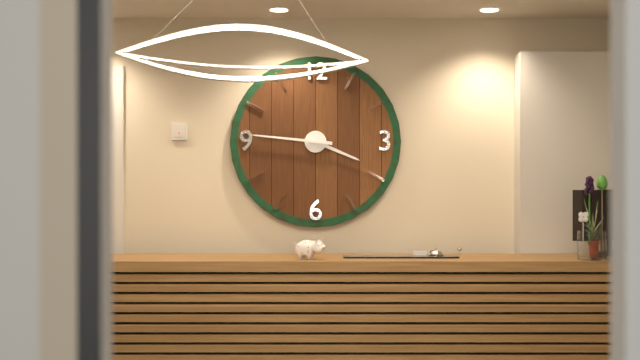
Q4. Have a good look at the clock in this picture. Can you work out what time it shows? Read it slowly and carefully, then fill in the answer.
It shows 3:46
